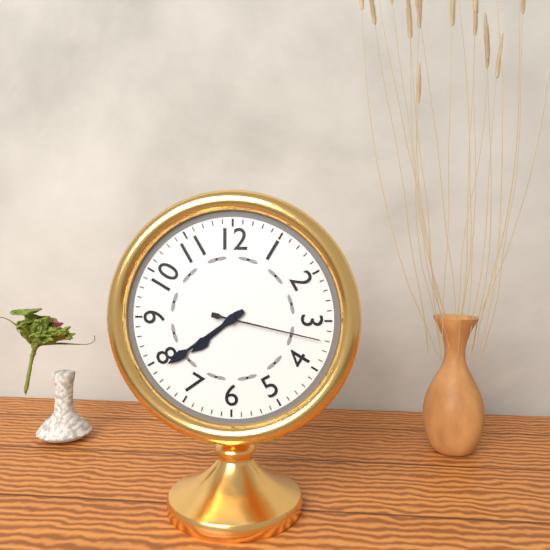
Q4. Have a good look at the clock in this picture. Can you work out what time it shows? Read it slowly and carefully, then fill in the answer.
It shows 7:39:17
